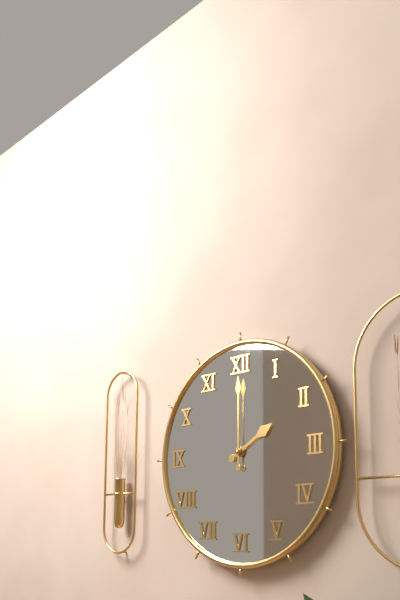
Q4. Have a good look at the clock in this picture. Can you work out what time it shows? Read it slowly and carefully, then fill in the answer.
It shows 2:00
